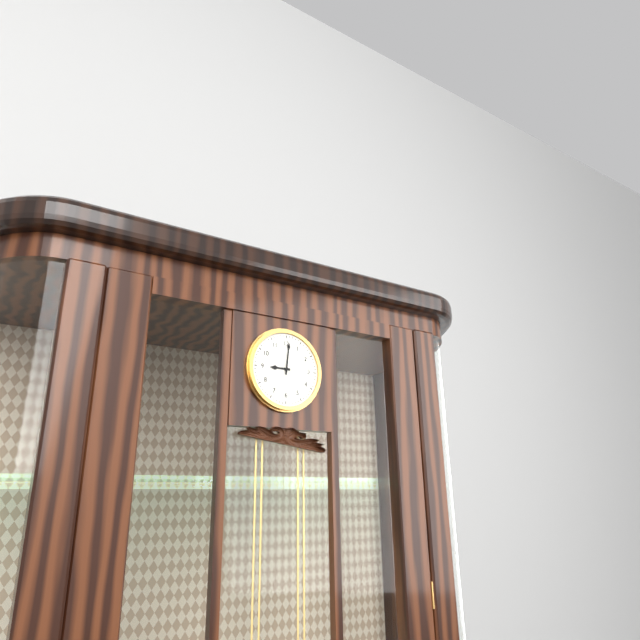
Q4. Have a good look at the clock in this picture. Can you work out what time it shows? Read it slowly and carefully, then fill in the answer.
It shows 9:01
